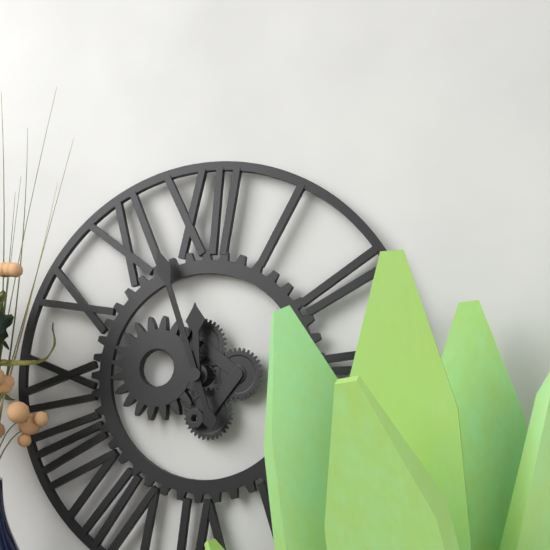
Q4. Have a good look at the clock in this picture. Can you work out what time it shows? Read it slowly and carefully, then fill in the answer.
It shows 11:57
